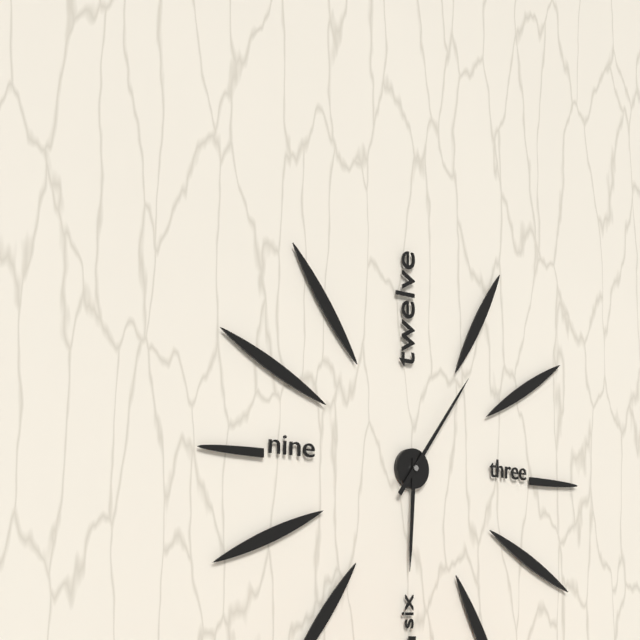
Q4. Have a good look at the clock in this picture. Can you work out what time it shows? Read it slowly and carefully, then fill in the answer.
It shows 6:06
